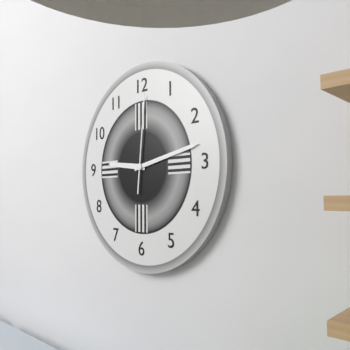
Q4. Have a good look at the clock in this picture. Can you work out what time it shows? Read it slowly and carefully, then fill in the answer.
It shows 9:13:01
